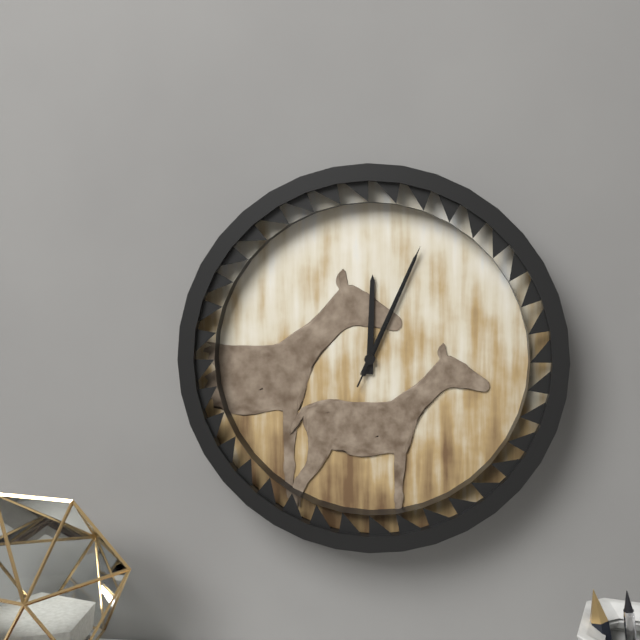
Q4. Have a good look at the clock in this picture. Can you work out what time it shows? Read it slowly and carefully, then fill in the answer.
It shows 12:04:04
